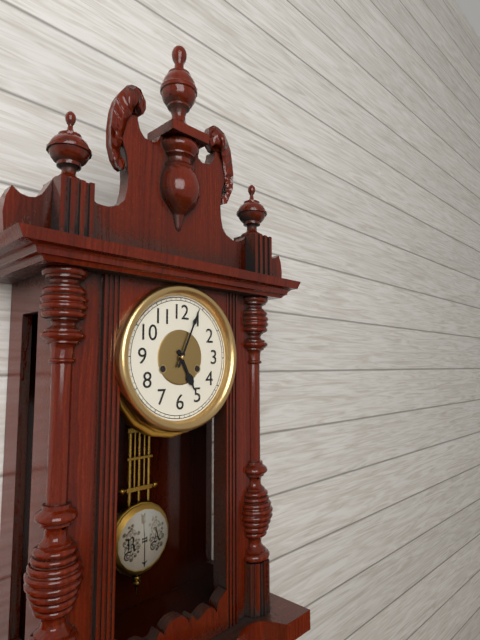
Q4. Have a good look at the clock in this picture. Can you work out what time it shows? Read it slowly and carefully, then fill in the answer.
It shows 5:04
